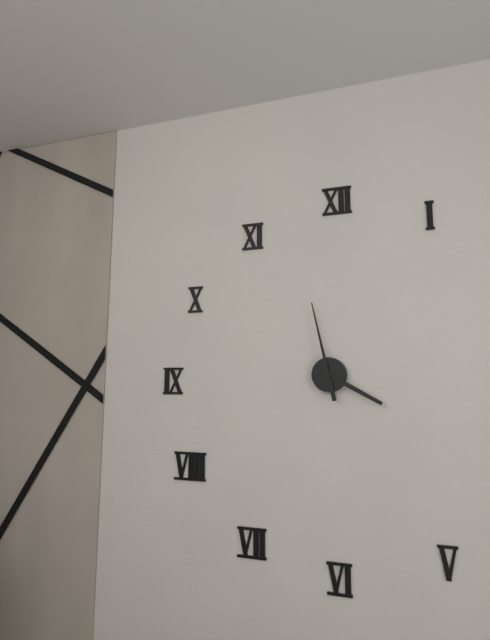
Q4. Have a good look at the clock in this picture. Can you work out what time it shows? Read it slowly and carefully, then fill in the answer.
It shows 3:58
